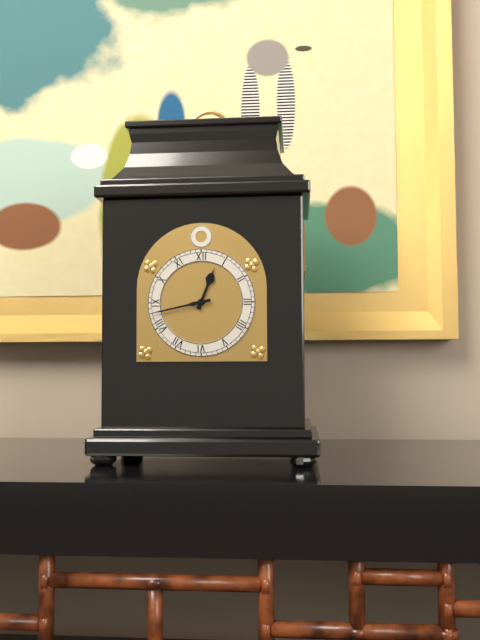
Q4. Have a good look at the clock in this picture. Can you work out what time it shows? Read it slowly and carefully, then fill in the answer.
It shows 12:43
